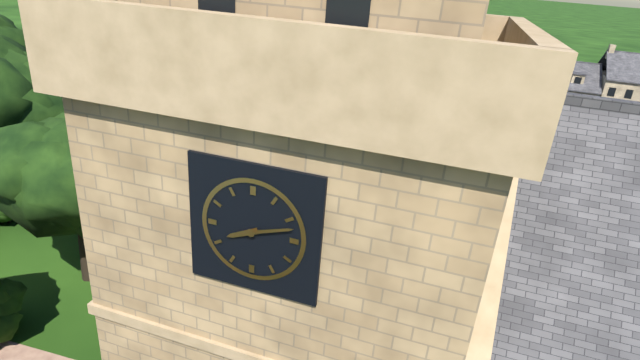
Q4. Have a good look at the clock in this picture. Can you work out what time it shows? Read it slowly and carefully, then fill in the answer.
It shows 8:12
